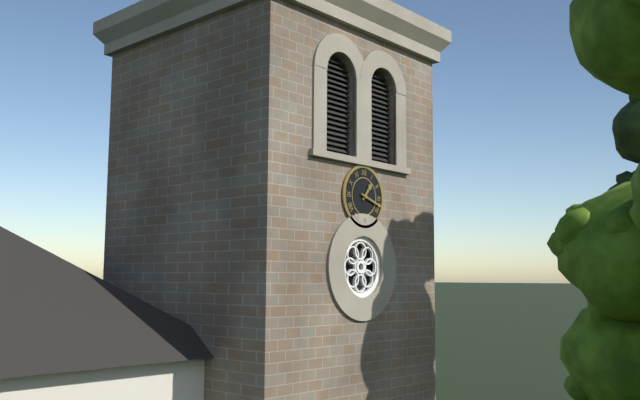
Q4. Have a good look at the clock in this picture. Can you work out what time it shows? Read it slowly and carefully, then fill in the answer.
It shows 1:18
